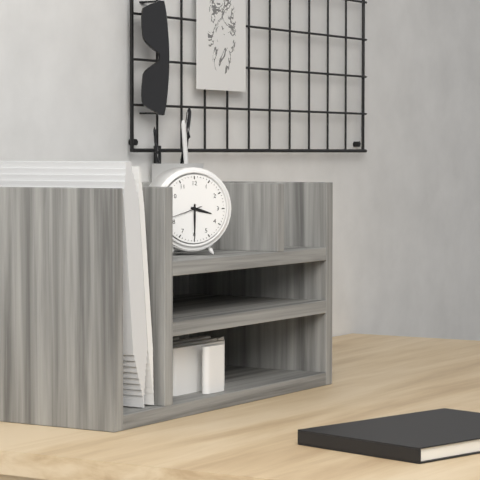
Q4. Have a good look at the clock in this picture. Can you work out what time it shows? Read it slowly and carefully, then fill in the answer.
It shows 3:30
